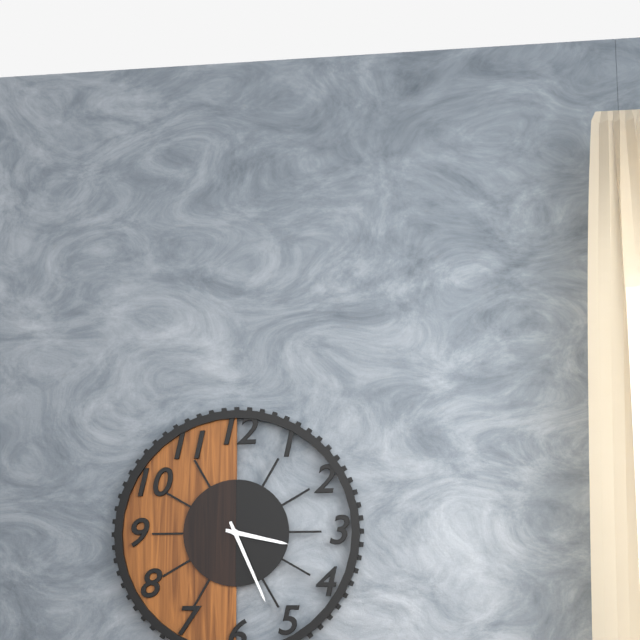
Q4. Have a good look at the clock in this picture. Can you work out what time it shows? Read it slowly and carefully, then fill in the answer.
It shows 3:26
